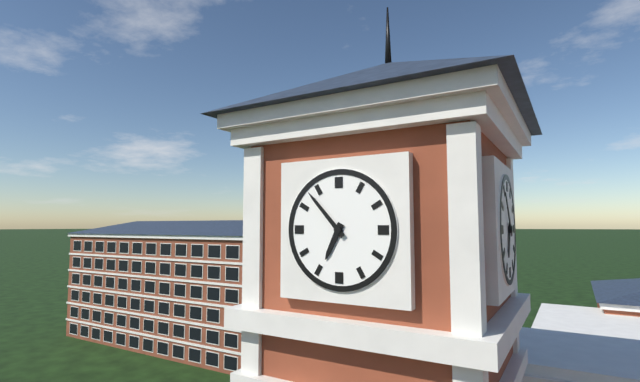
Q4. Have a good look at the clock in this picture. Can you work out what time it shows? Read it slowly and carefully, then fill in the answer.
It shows 6:53
